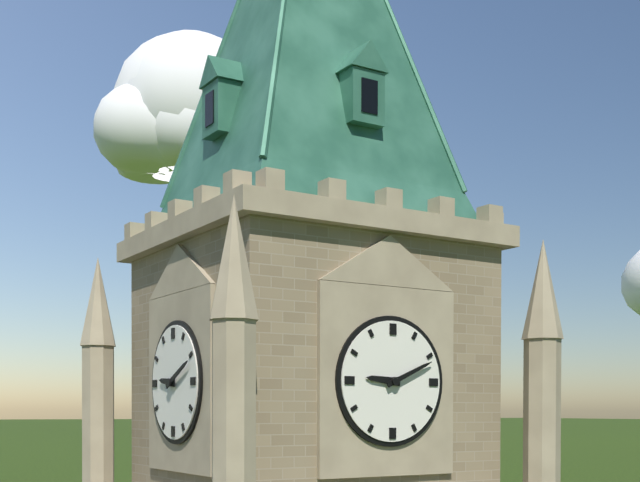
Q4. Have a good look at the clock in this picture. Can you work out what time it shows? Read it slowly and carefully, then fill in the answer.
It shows 9:11
